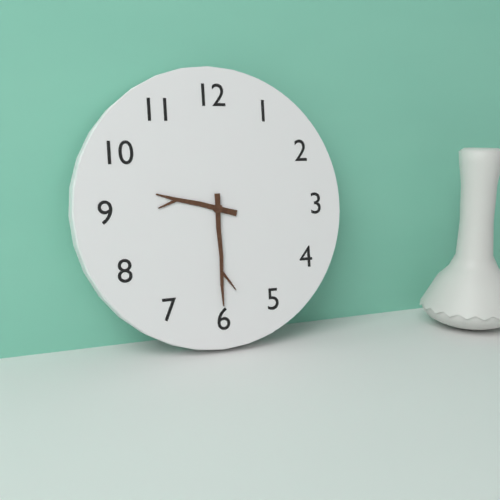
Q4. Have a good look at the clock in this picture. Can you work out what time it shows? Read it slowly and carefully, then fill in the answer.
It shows 9:30
